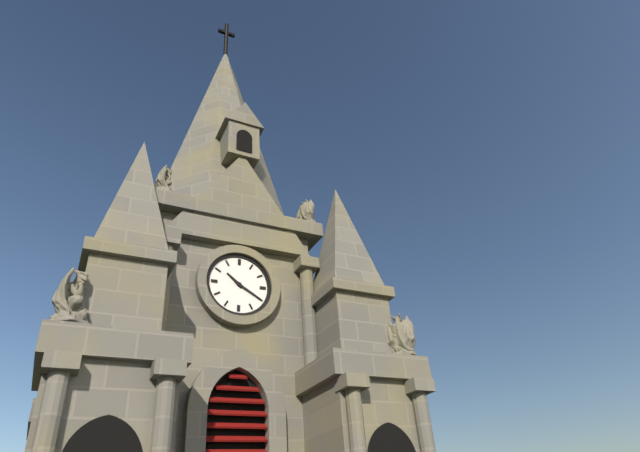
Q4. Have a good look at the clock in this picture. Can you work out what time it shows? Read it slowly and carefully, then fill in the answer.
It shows 10:20
